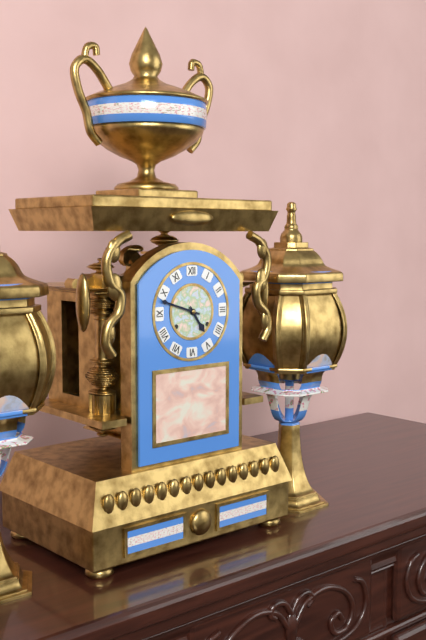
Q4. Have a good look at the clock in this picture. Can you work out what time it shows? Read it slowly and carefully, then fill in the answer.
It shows 4:48
